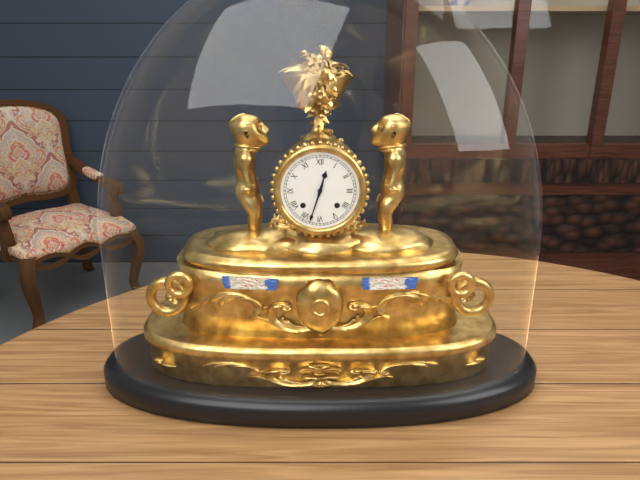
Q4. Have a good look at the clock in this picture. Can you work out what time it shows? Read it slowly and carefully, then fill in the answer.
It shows 12:33
